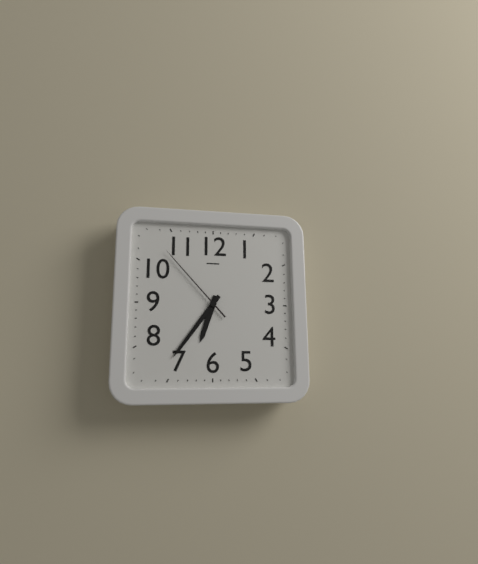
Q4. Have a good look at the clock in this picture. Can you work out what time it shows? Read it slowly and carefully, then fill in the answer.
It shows 6:36:53
